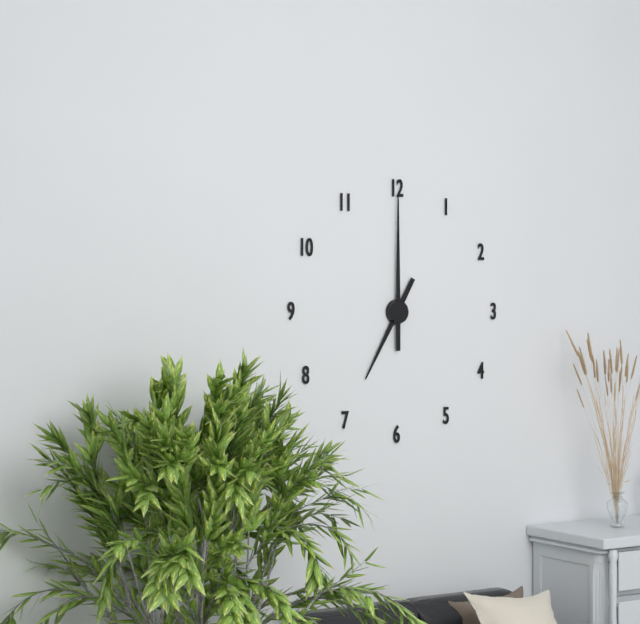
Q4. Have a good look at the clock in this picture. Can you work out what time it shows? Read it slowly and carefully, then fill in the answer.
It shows 7:00
